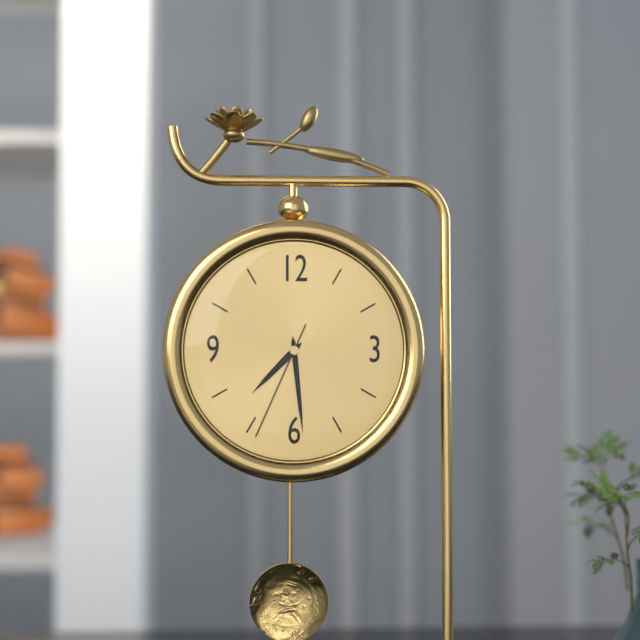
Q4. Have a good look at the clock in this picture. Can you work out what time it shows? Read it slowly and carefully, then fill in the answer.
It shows 7:29:34
